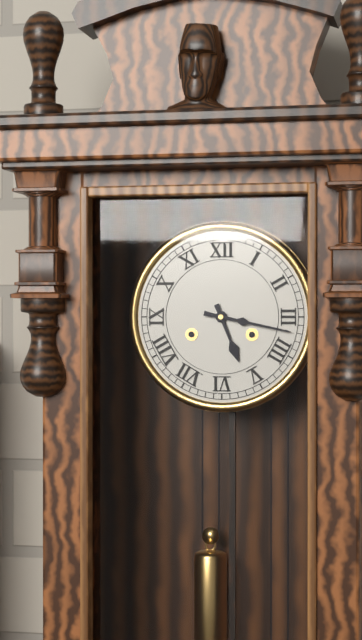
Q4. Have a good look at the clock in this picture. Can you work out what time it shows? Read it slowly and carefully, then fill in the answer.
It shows 5:17
